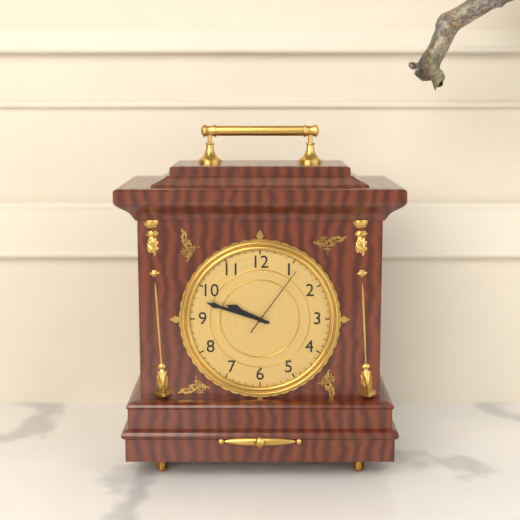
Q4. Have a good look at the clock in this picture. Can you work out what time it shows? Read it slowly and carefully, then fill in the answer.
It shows 9:48:06
